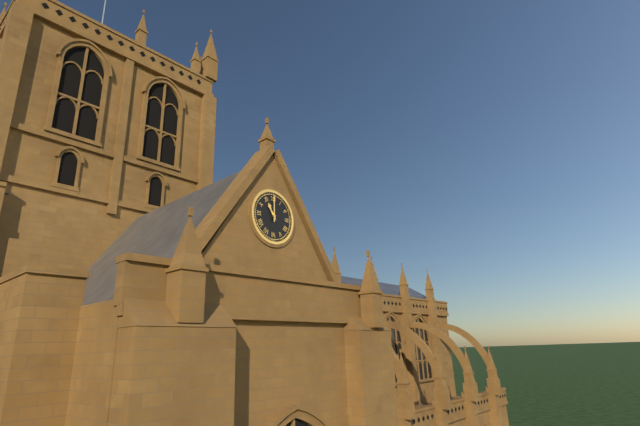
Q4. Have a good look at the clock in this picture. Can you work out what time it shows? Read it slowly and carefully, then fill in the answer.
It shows 11:00
